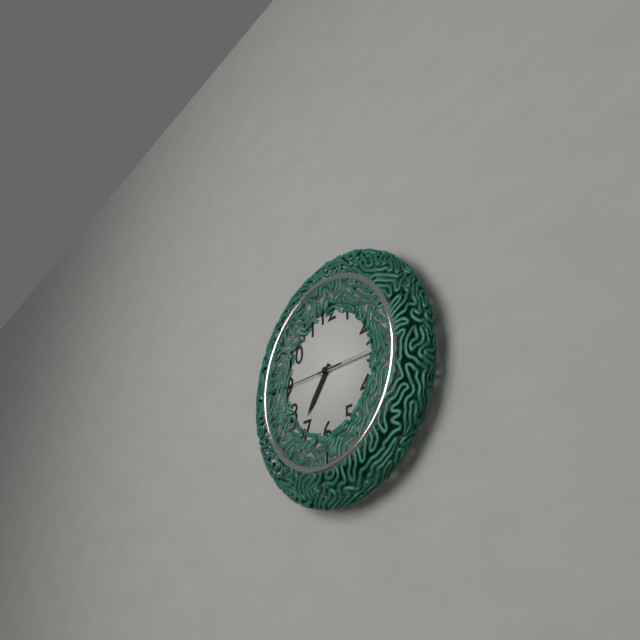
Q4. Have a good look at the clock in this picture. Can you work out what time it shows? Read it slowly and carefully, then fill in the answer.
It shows 7:15:45
